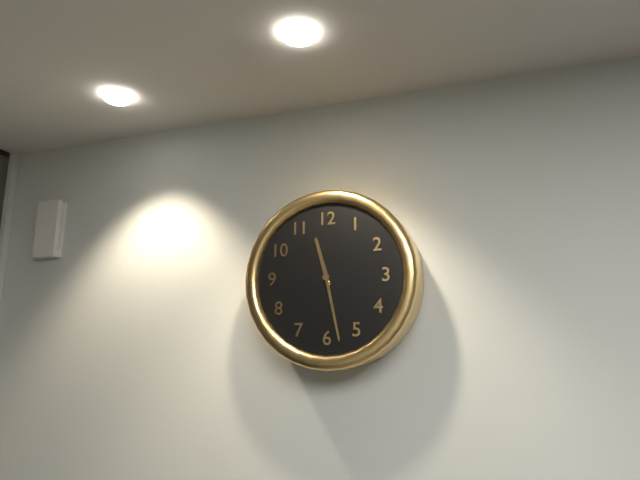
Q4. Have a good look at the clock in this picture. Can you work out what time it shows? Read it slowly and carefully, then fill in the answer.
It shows 11:28
